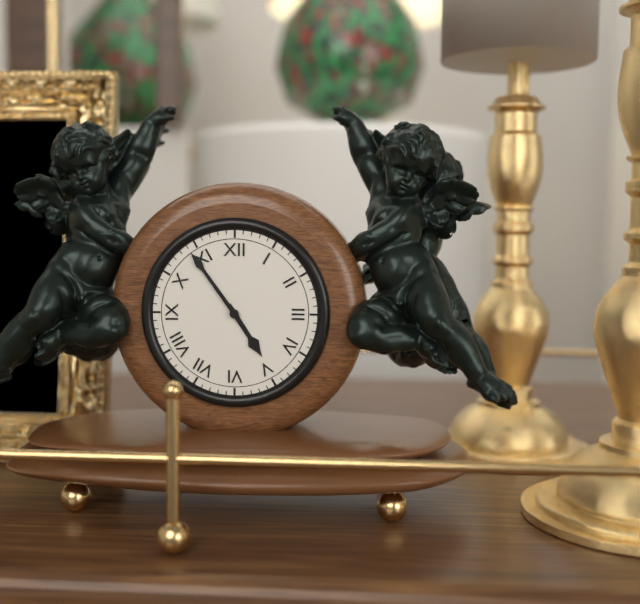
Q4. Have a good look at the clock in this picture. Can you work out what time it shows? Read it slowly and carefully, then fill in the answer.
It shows 4:54
